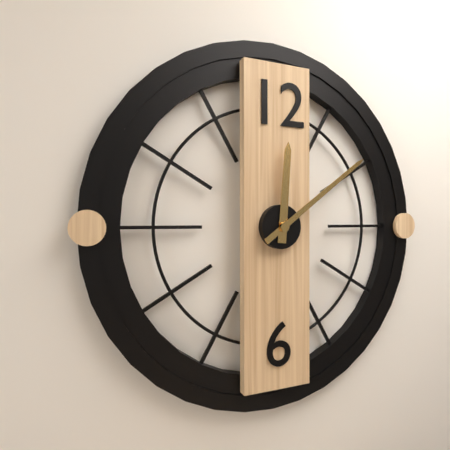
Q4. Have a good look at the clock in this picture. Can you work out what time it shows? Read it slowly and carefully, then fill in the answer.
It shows 12:09
